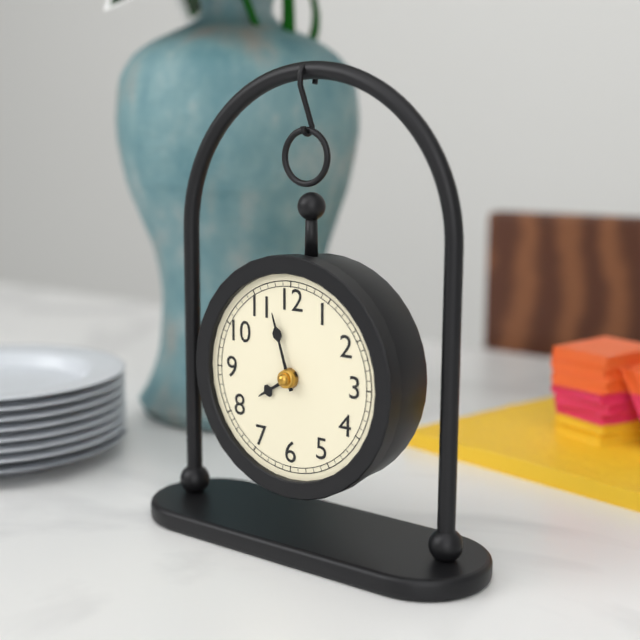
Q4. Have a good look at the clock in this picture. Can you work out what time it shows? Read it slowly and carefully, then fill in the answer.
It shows 7:57
